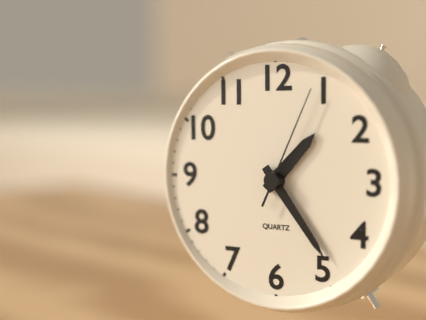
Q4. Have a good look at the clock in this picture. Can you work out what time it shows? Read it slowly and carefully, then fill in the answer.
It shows 1:24:04
